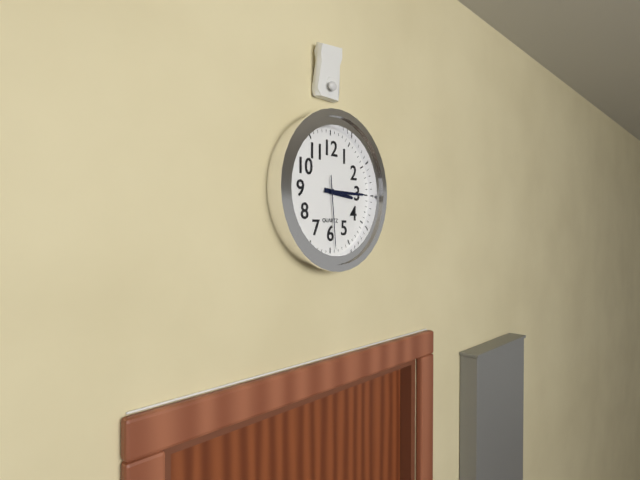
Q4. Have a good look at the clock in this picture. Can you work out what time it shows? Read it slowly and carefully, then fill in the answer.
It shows 3:15:29
